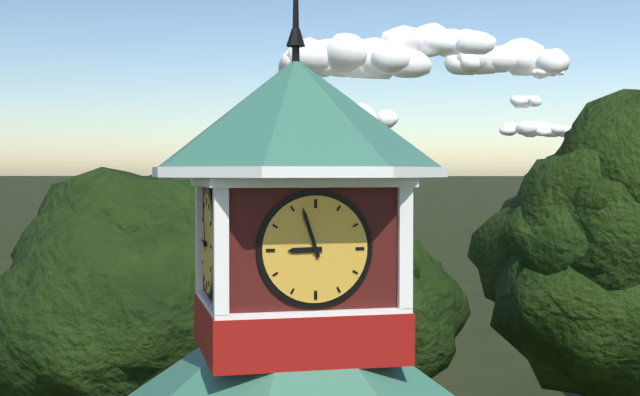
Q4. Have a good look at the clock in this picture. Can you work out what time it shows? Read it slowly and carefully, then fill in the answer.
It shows 8:57
